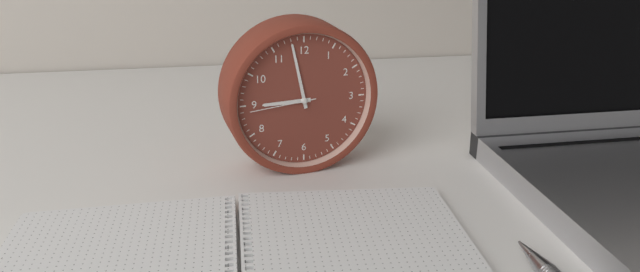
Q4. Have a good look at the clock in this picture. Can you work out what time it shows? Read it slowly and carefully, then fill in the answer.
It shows 8:58:44
